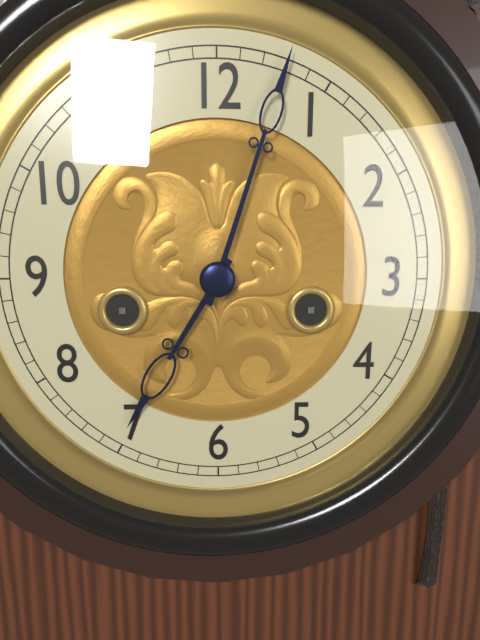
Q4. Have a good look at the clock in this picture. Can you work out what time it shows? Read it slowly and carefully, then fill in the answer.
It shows 7:03
